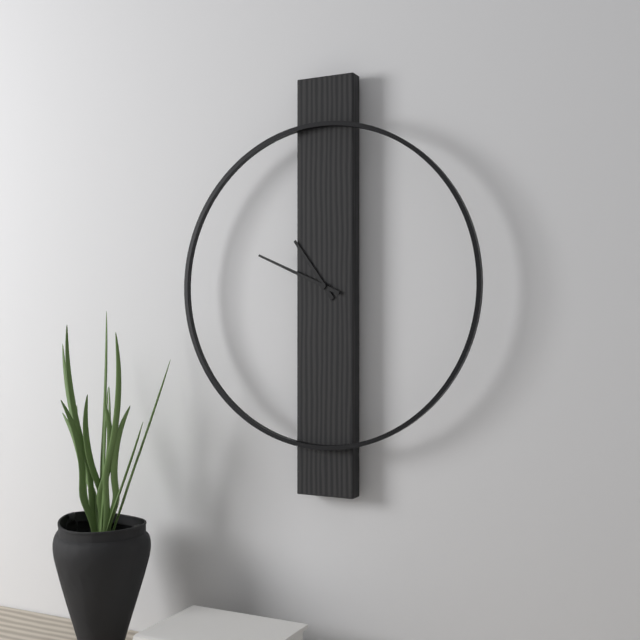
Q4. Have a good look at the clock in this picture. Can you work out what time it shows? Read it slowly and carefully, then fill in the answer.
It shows 10:49
